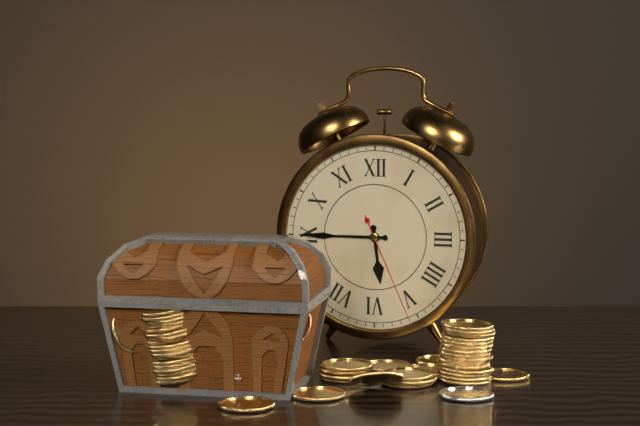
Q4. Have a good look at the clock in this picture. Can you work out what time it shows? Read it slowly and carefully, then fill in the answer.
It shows 5:45:26
